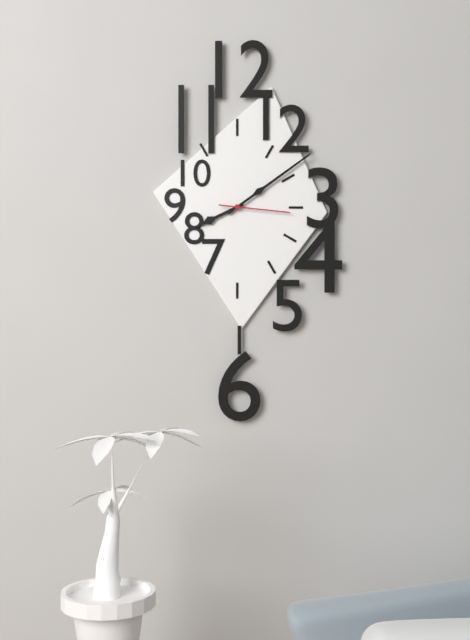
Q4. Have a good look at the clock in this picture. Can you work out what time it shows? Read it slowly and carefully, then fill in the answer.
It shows 8:09:16
